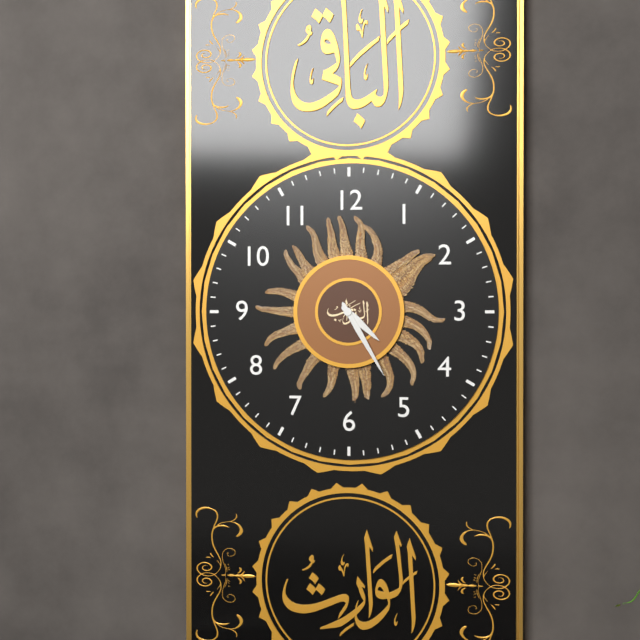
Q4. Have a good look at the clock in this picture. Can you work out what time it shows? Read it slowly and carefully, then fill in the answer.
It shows 4:25
